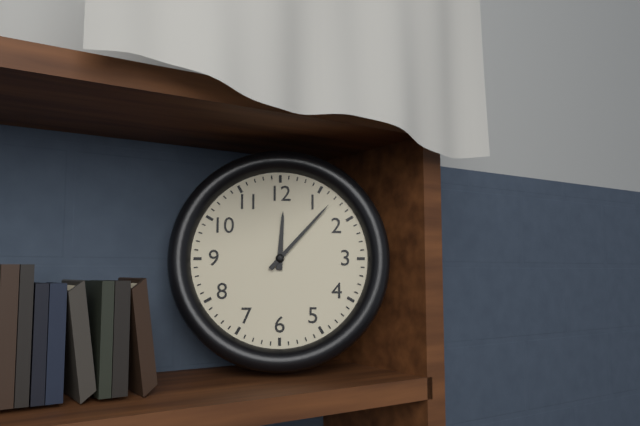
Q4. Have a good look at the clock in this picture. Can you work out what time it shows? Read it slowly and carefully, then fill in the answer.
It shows 12:07
